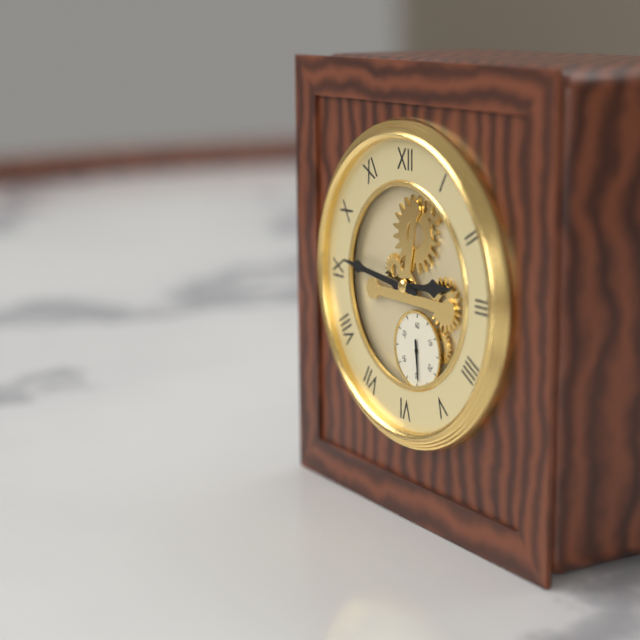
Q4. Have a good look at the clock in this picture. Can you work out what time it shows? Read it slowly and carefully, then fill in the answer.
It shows 2:46
